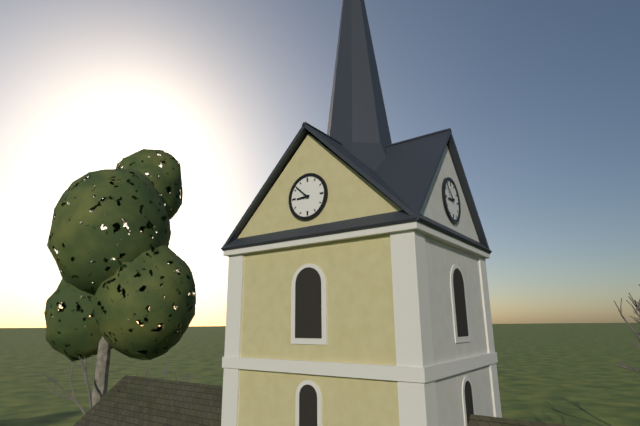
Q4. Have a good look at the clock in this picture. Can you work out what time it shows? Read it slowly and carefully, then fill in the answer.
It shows 8:52
